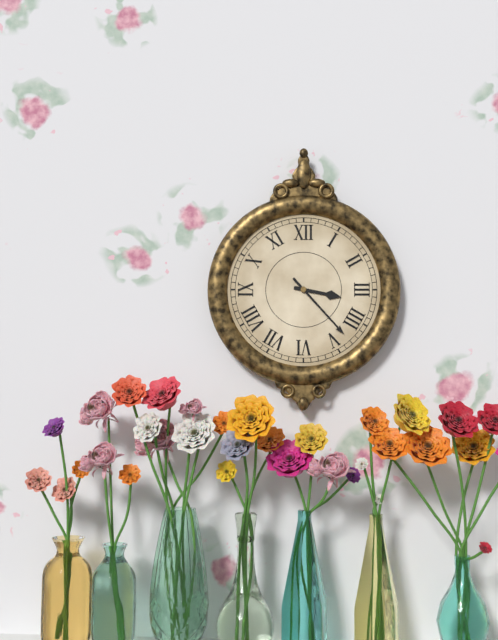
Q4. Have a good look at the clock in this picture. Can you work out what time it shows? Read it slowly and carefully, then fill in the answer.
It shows 3:23
